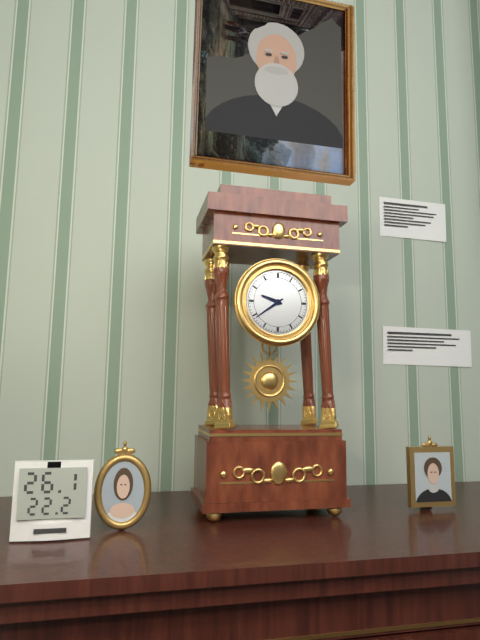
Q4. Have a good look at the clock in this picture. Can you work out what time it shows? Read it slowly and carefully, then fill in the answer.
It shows 9:39
